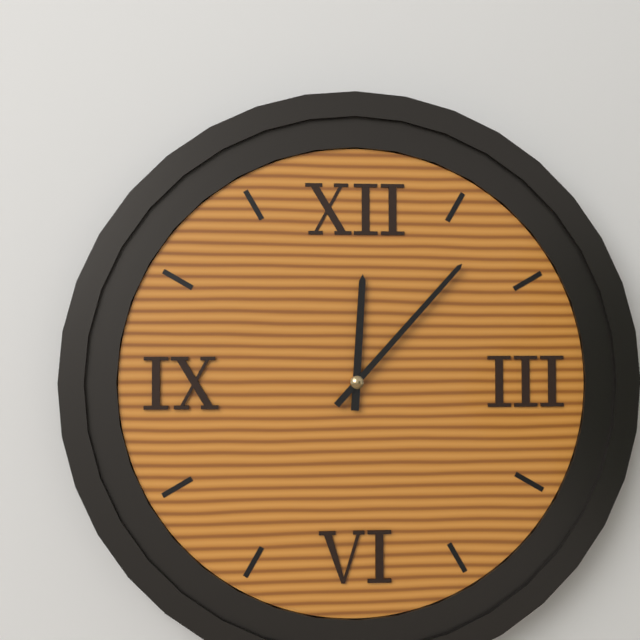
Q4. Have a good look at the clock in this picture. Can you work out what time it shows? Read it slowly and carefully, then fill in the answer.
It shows 12:07
